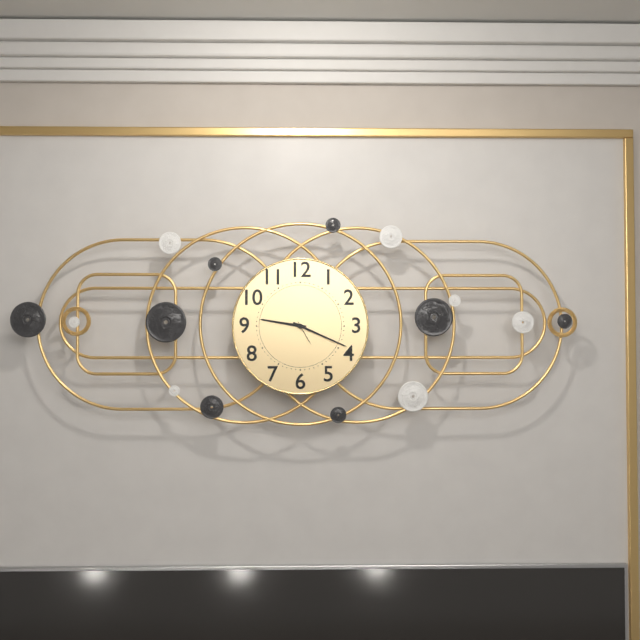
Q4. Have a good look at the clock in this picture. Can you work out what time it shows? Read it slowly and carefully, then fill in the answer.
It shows 9:19
